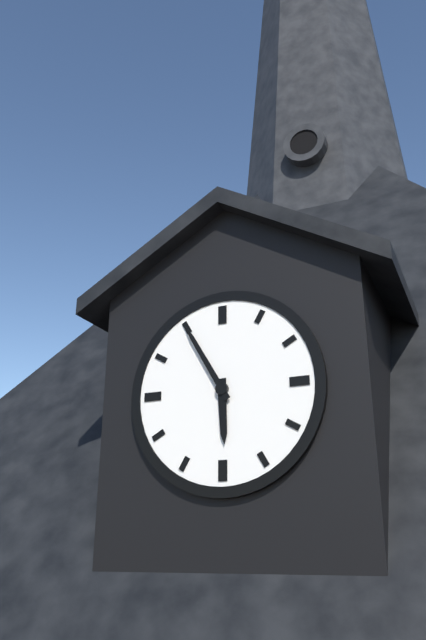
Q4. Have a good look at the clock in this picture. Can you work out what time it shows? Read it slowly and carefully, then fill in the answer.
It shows 5:55
